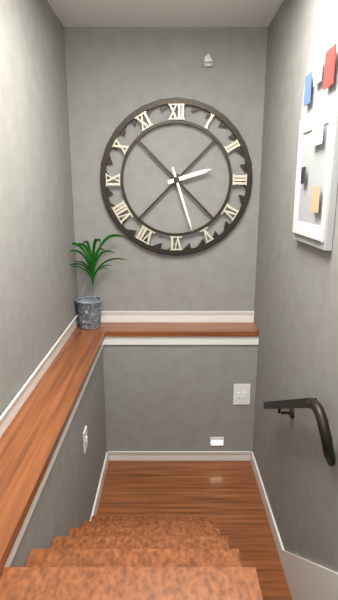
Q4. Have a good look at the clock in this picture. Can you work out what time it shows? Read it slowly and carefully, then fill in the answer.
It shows 2:27
